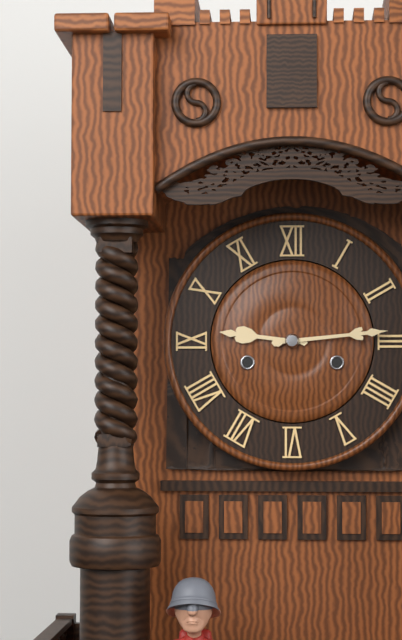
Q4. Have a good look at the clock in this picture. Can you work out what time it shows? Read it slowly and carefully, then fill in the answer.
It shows 9:14
